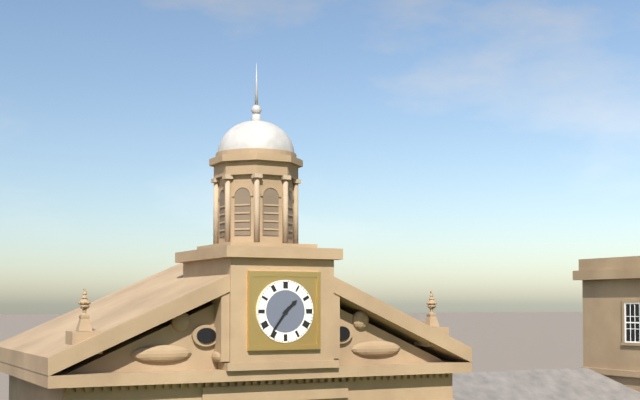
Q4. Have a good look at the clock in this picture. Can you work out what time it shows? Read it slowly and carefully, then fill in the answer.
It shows 1:36
